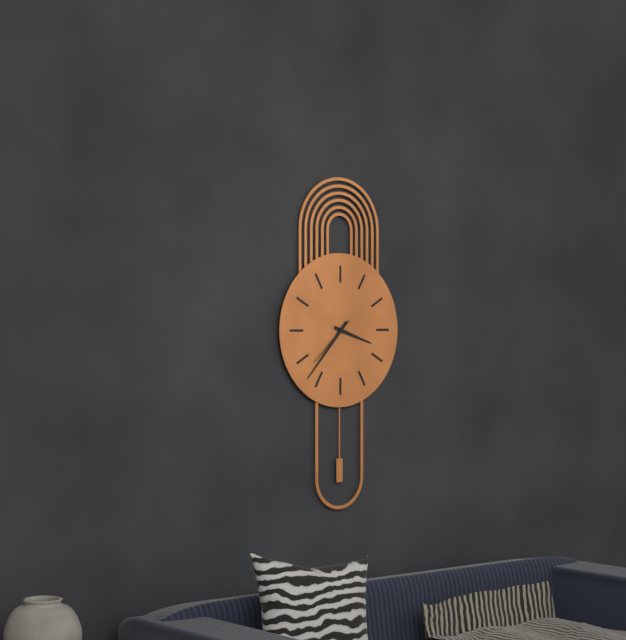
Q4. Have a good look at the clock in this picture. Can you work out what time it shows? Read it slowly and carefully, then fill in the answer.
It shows 3:37
